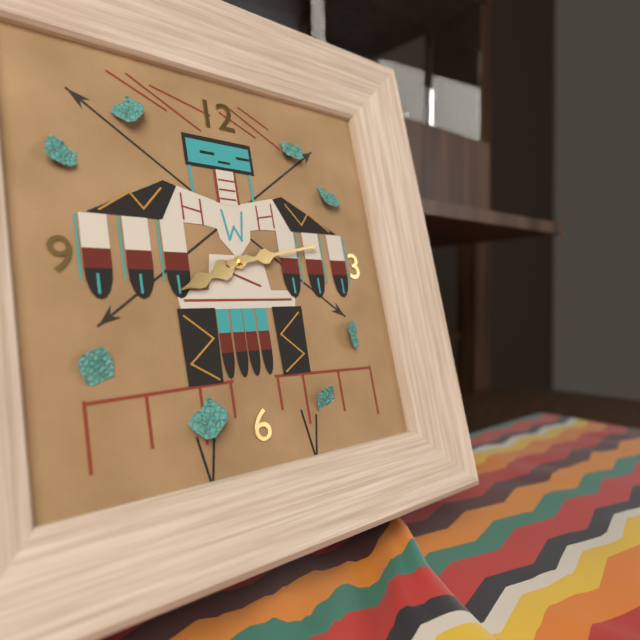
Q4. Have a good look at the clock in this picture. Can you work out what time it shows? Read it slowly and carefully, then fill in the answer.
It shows 8:13
